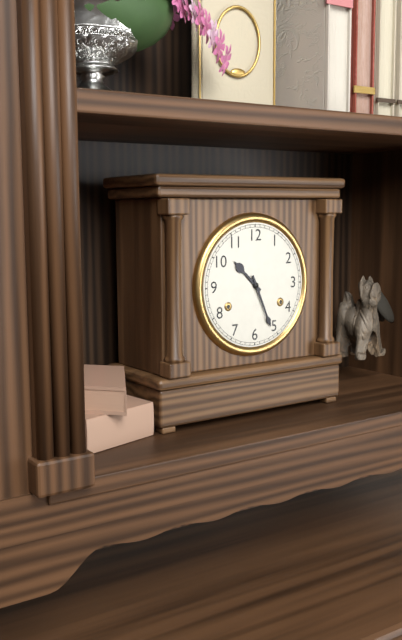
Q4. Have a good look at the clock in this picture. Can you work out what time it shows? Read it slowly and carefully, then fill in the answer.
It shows 10:26
